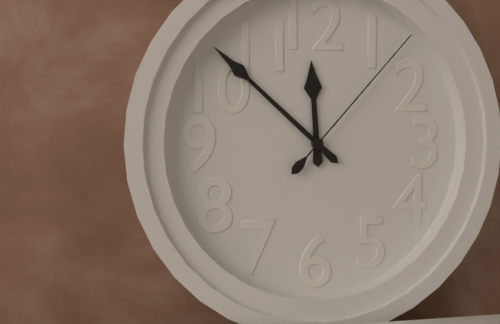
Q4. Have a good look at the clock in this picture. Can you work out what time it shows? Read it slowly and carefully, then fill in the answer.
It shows 11:52:07
